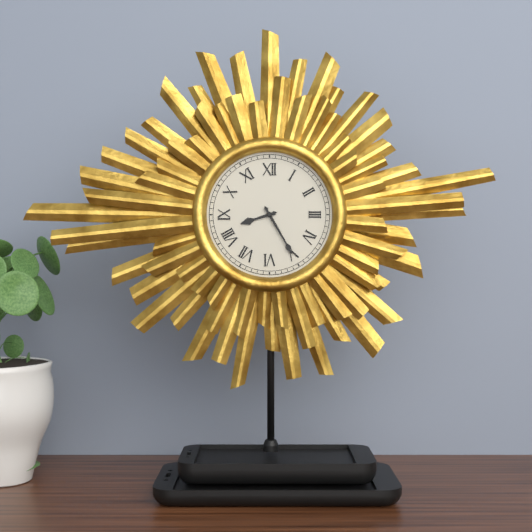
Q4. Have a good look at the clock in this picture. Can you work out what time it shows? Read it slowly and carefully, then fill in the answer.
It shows 8:25
